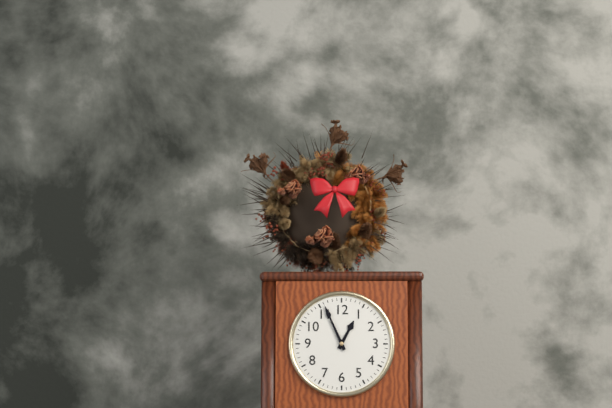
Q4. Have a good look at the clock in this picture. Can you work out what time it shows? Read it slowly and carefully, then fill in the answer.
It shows 12:56
